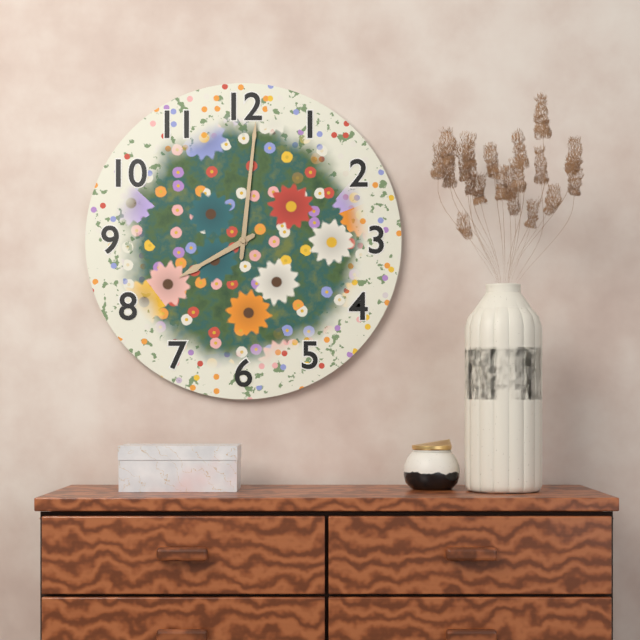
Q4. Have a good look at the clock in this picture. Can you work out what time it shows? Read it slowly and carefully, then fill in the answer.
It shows 8:01
